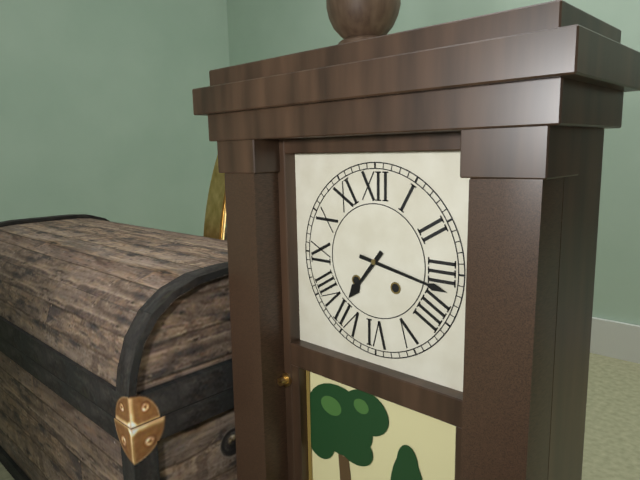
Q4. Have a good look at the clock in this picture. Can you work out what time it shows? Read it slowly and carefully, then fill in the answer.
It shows 7:17
